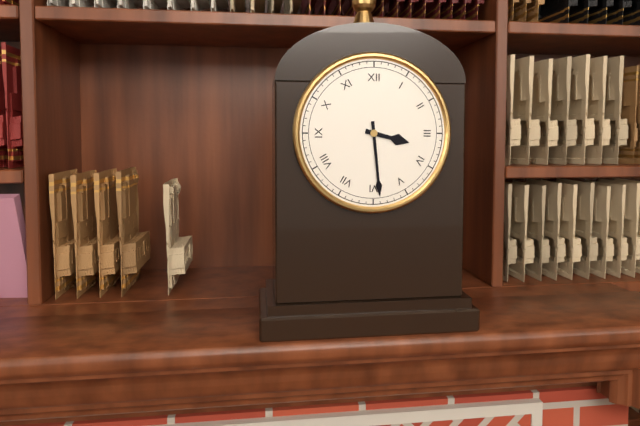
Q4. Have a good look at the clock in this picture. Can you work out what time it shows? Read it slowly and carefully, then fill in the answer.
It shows 3:29
